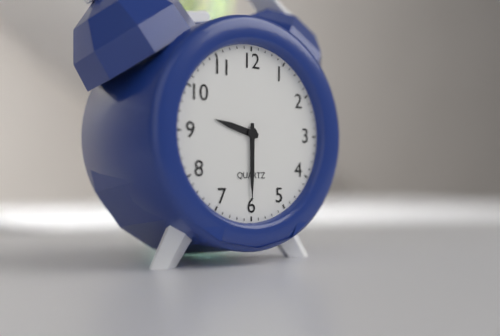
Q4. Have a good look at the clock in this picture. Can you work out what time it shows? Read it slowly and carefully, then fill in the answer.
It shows 9:30
